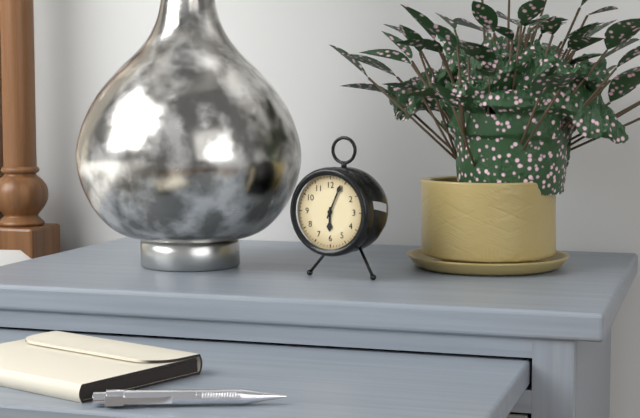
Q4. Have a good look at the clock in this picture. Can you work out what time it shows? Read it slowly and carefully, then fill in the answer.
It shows 6:04
